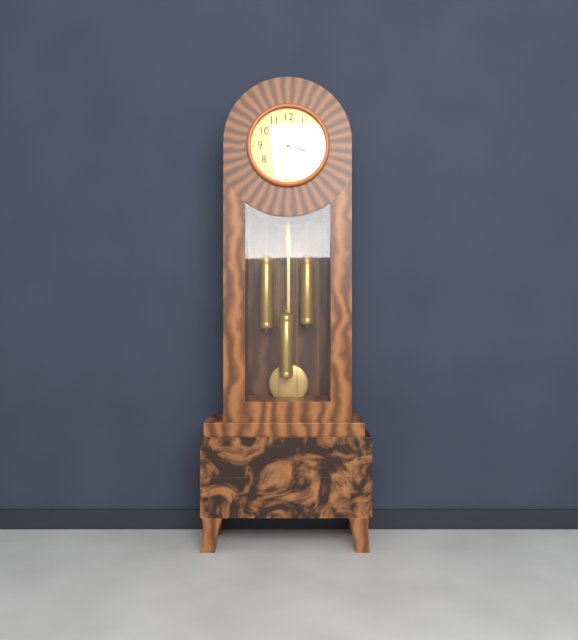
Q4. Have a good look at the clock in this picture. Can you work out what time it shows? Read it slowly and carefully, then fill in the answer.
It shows 3:34
